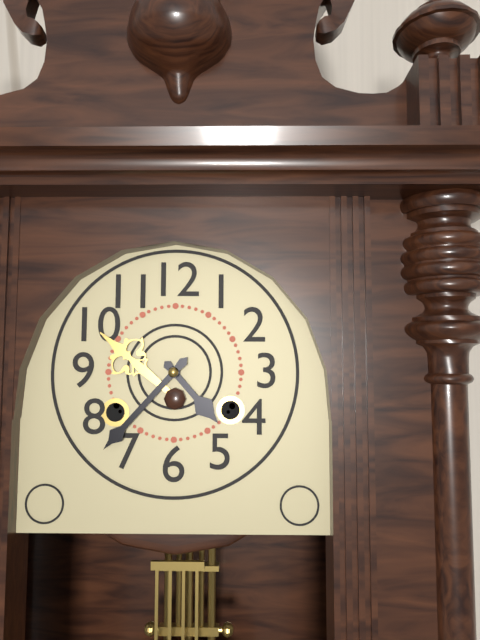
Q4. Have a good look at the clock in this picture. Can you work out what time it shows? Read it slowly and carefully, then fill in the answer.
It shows 4:37
